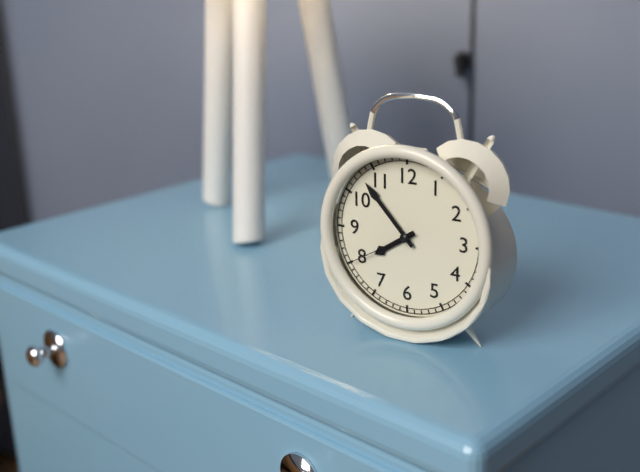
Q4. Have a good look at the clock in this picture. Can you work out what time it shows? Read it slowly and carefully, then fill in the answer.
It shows 7:53:40
